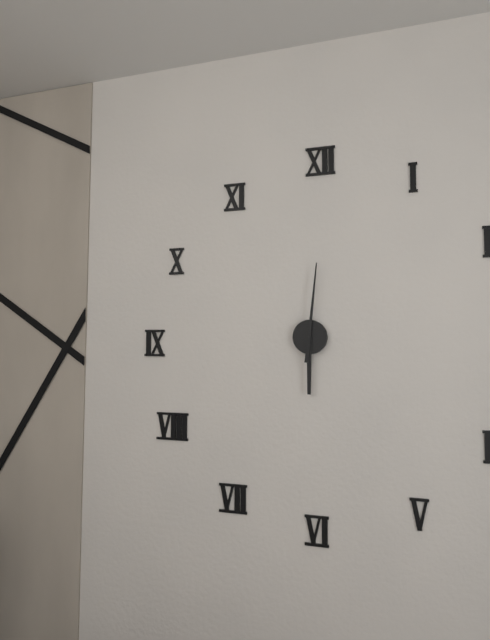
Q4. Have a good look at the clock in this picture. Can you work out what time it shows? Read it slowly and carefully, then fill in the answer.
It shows 6:01
